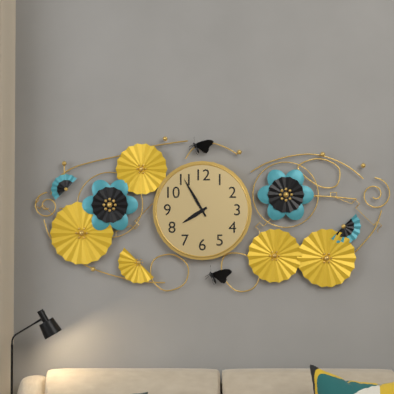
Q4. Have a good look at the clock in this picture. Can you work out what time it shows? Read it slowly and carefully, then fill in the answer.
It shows 7:55
